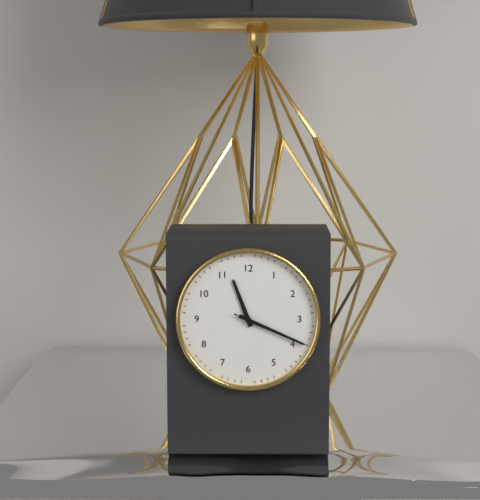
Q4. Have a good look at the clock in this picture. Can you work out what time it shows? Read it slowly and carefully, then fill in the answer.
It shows 11:19:19
